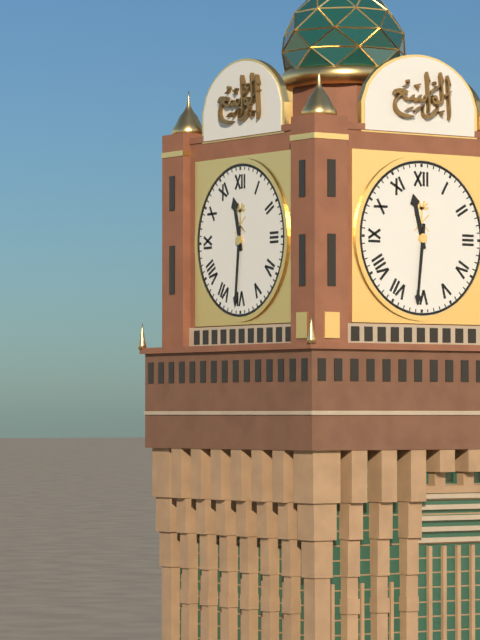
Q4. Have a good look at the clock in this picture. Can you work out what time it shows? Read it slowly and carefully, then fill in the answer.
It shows 11:31
